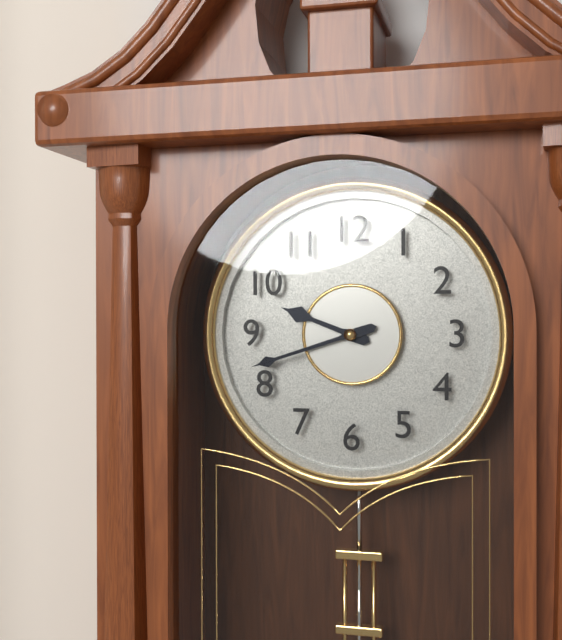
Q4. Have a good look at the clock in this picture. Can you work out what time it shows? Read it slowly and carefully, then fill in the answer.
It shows 9:42
